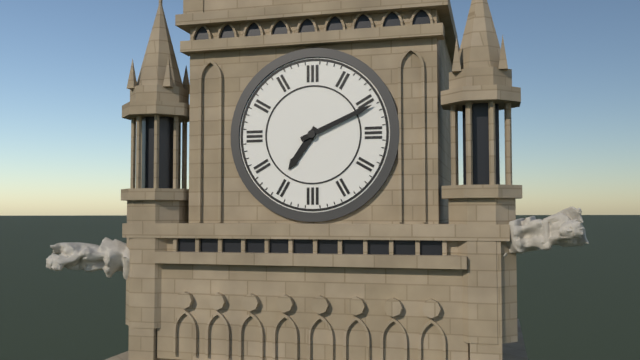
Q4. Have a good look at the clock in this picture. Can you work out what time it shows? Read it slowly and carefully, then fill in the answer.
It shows 7:11
